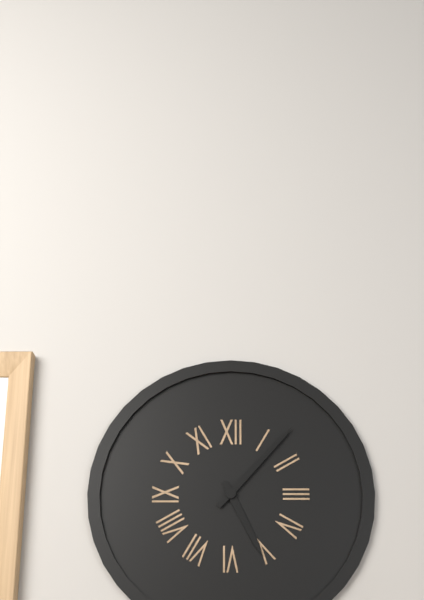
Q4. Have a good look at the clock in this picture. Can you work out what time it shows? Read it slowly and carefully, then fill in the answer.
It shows 5:07
